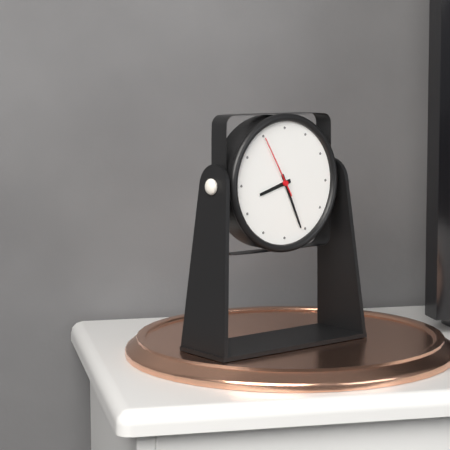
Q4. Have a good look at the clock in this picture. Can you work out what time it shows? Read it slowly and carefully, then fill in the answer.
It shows 8:26:55
